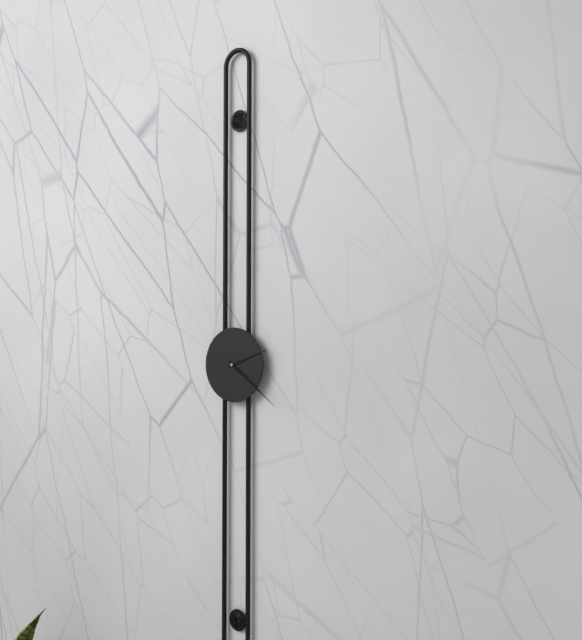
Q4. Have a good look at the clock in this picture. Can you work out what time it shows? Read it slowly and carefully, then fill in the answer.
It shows 2:21
